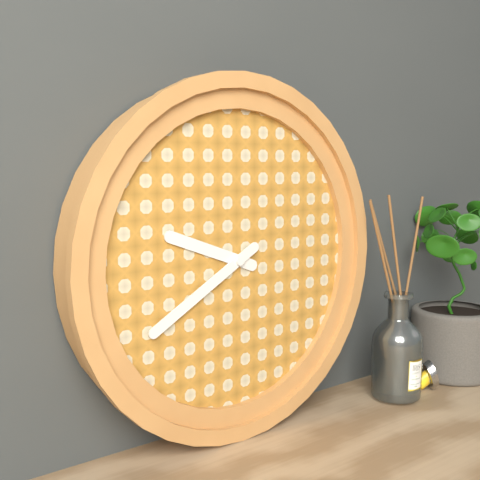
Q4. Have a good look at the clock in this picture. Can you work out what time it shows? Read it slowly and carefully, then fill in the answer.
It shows 9:40
